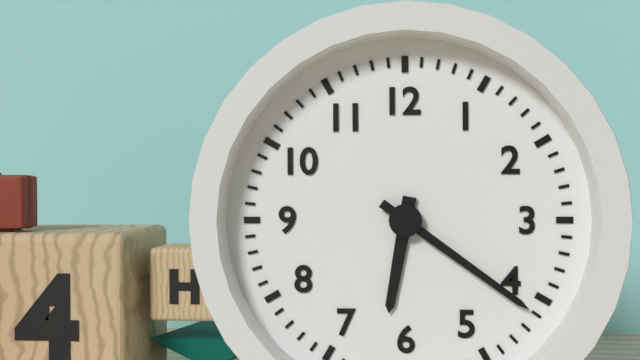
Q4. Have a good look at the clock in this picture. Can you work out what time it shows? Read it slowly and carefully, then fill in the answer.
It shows 6:21
